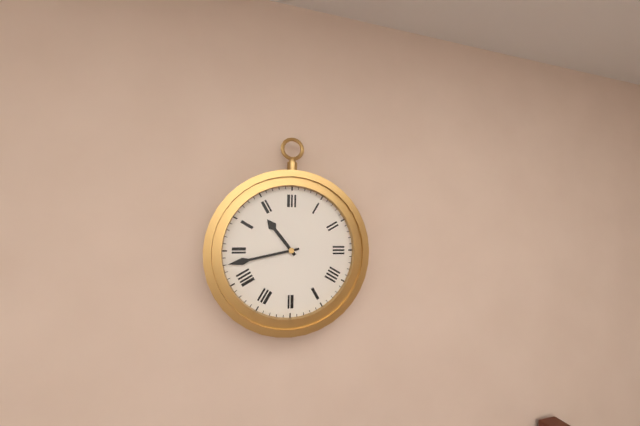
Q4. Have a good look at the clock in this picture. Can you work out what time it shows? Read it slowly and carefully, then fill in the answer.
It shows 10:43
